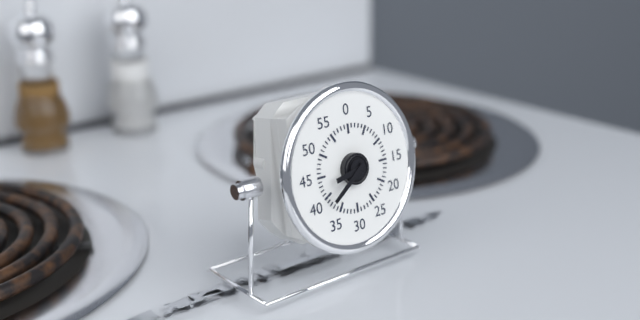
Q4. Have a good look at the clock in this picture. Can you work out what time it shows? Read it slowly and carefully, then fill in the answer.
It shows 8:39
